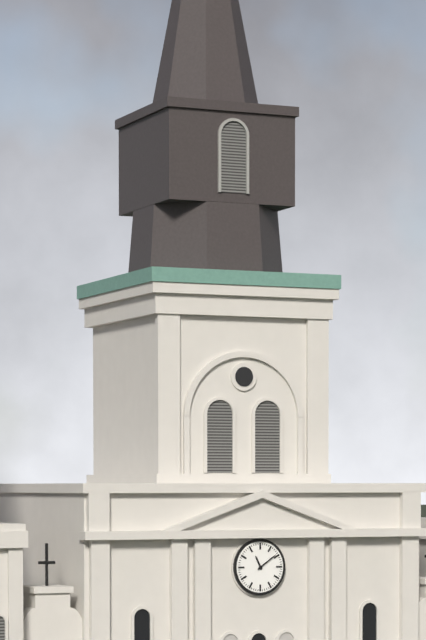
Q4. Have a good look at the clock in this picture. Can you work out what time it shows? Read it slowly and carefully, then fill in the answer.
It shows 11:09
